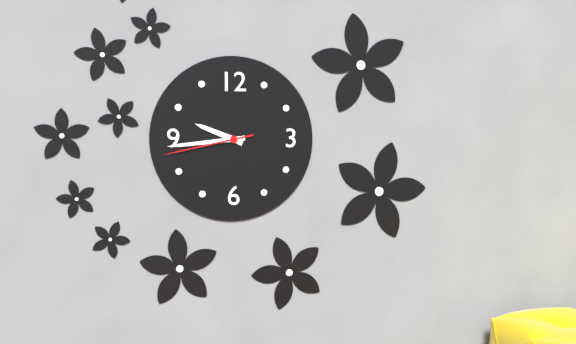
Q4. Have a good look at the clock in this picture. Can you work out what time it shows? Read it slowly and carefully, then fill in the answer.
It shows 9:44:43
